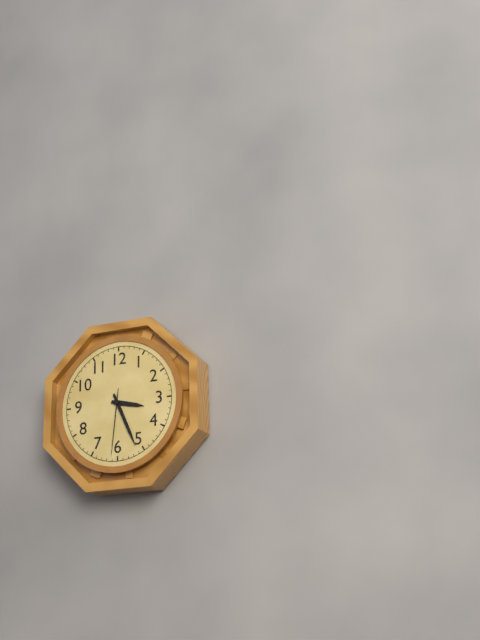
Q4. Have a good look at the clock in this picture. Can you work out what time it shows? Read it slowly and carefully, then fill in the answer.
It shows 3:26:31
